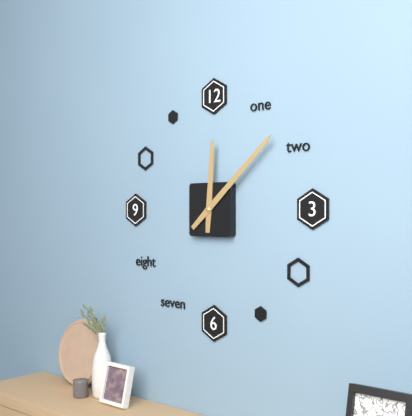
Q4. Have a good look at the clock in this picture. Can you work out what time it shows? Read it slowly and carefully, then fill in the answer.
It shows 12:08
